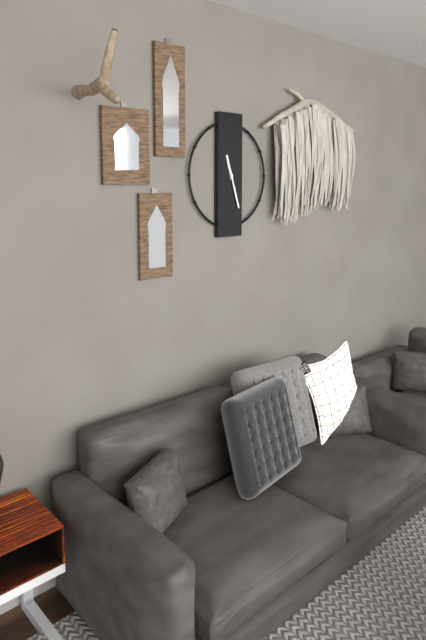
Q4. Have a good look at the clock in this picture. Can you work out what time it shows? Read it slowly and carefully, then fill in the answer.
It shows 11:27
